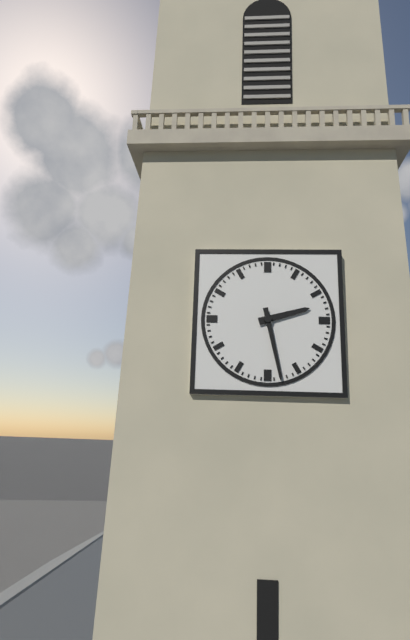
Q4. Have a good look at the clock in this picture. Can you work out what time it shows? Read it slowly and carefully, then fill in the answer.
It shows 2:28
